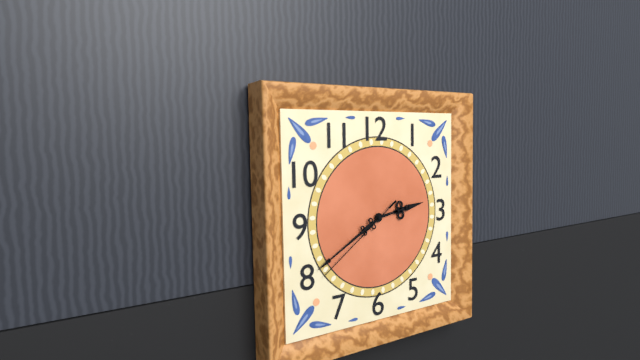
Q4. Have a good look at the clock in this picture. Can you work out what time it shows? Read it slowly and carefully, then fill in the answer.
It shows 2:40:39
